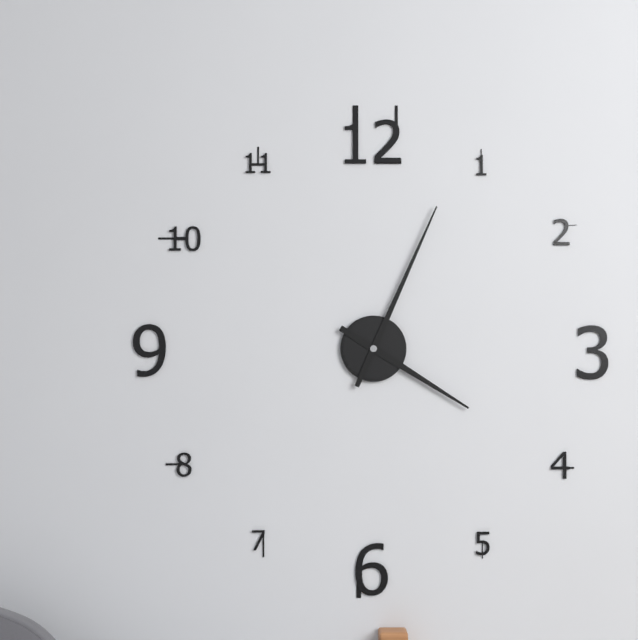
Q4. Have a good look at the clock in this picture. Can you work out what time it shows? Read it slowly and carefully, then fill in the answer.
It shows 4:04
